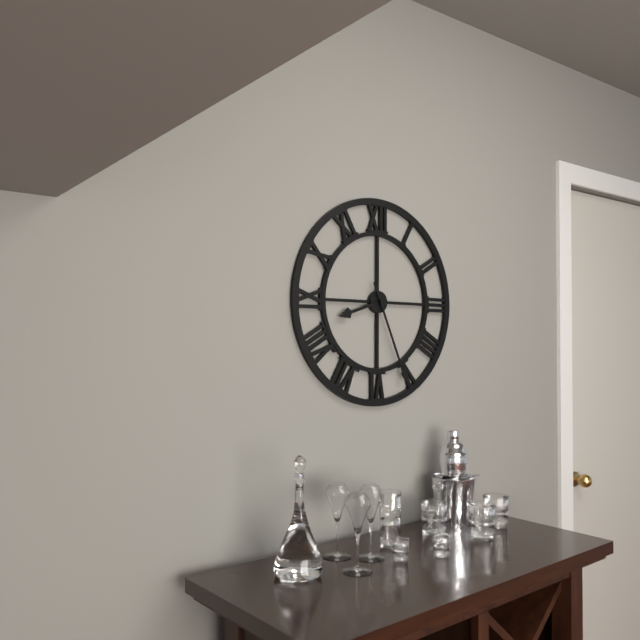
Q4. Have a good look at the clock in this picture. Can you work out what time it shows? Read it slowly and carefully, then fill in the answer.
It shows 8:26
